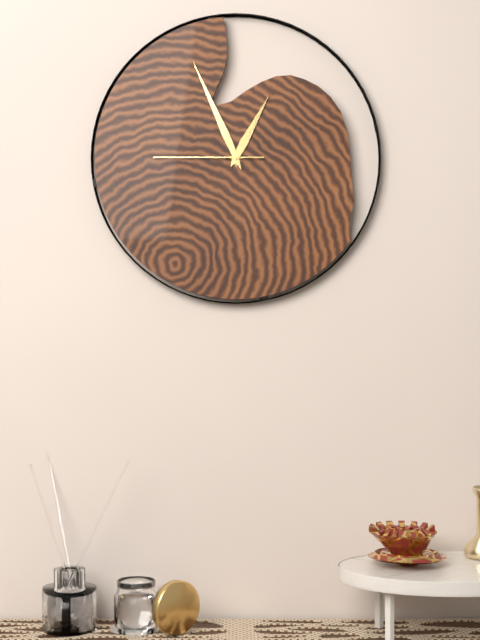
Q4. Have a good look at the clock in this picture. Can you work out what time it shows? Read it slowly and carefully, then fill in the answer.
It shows 12:56:45
